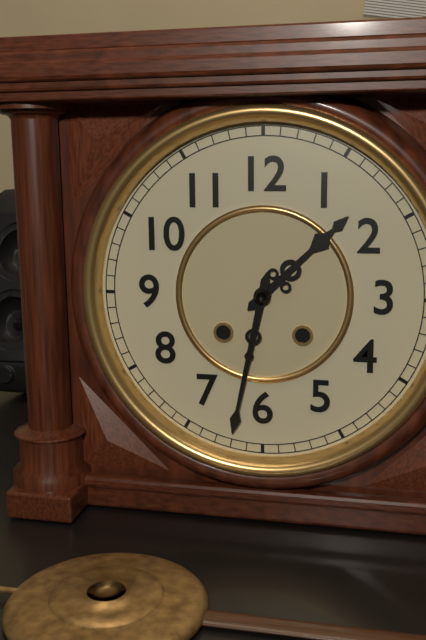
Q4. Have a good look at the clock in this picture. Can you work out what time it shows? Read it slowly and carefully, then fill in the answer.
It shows 1:32
